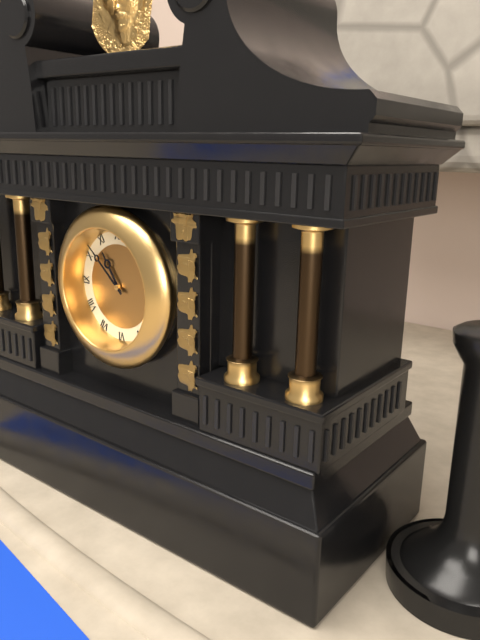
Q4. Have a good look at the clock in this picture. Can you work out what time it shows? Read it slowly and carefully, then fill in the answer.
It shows 10:52
